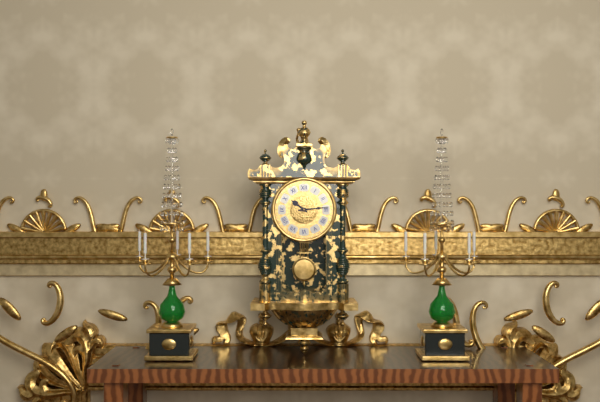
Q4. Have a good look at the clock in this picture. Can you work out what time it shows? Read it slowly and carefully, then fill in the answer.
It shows 10:14
